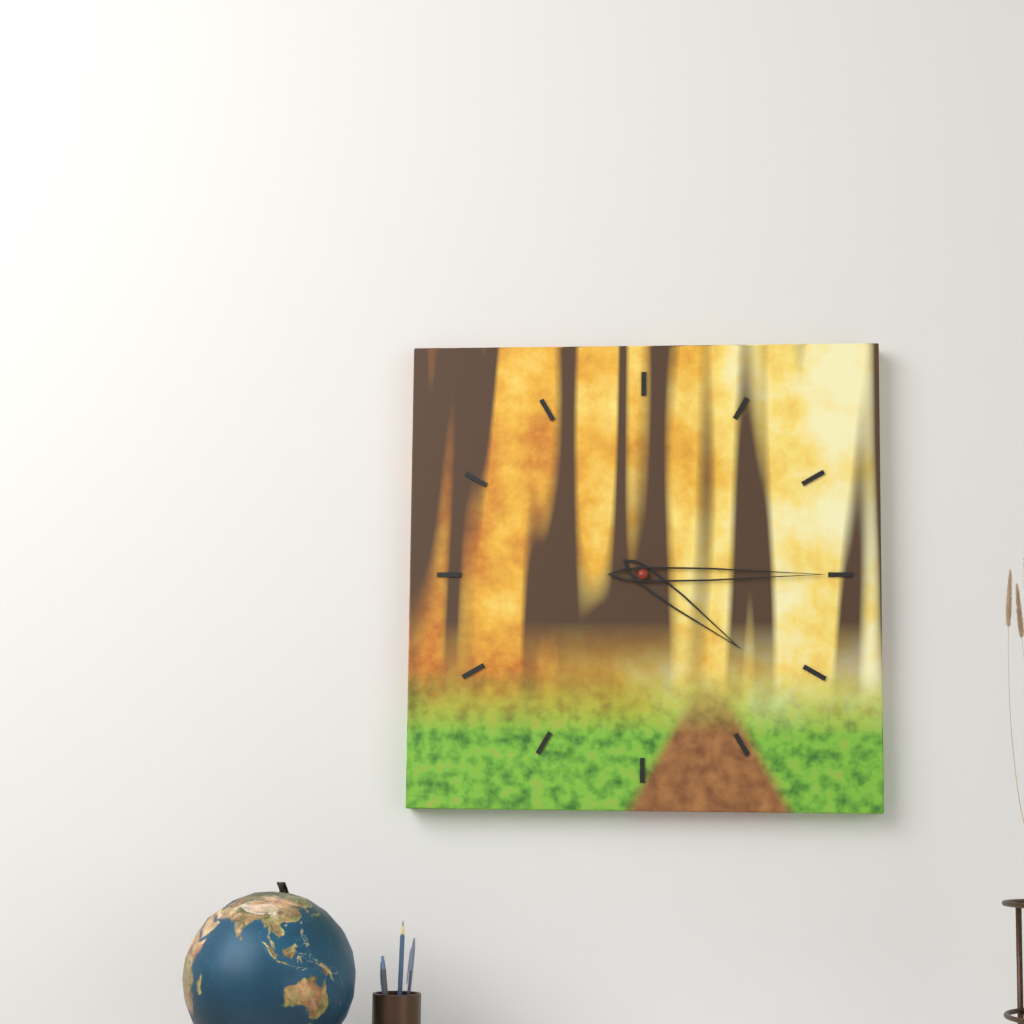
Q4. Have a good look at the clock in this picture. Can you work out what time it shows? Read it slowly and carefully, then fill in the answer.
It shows 4:15
